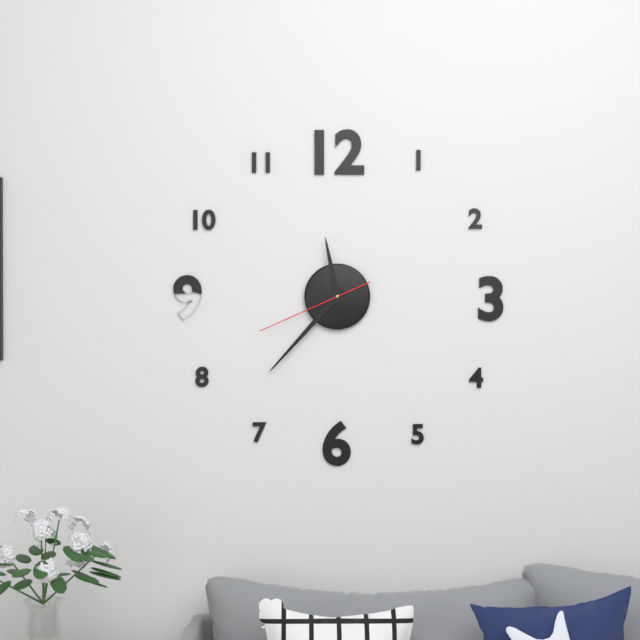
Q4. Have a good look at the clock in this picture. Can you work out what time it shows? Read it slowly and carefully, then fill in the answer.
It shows 11:37:41
